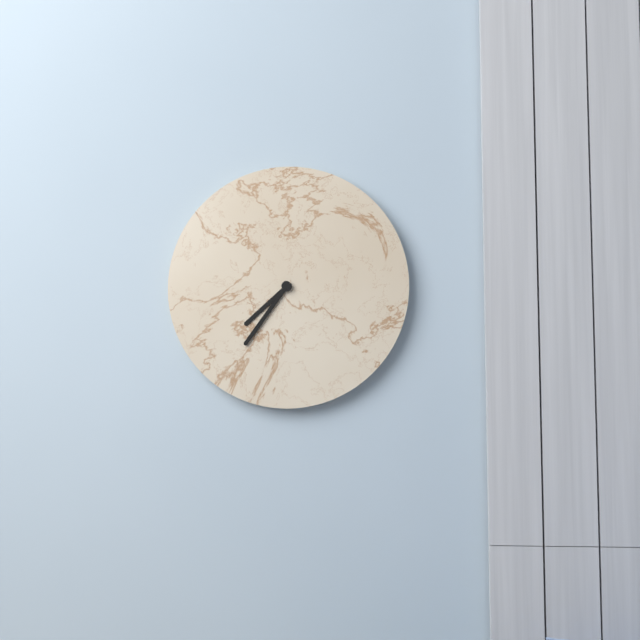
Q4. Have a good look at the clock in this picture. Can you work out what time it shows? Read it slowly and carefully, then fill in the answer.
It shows 7:36
